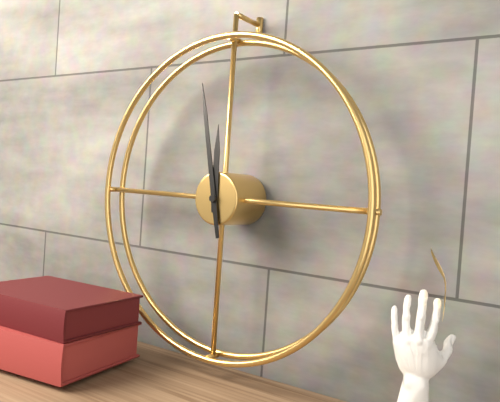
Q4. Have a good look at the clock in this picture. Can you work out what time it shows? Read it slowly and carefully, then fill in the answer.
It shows 11:58
